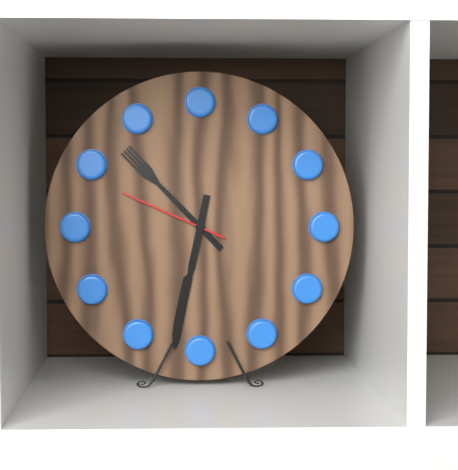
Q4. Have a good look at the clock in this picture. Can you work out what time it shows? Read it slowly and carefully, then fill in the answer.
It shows 10:32:49
